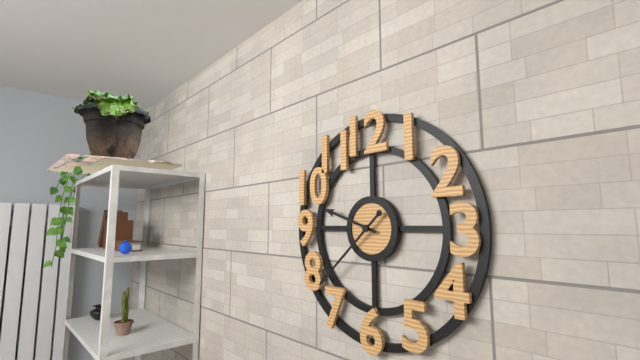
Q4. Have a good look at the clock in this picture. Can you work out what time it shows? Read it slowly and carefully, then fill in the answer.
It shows 9:38
